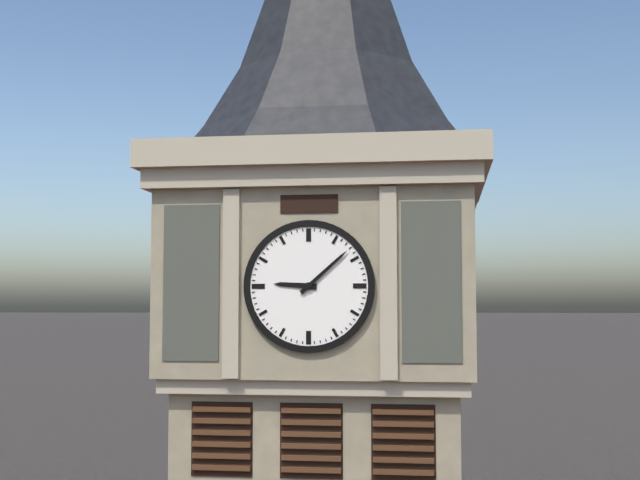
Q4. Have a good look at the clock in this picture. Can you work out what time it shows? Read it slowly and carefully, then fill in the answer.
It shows 9:08
